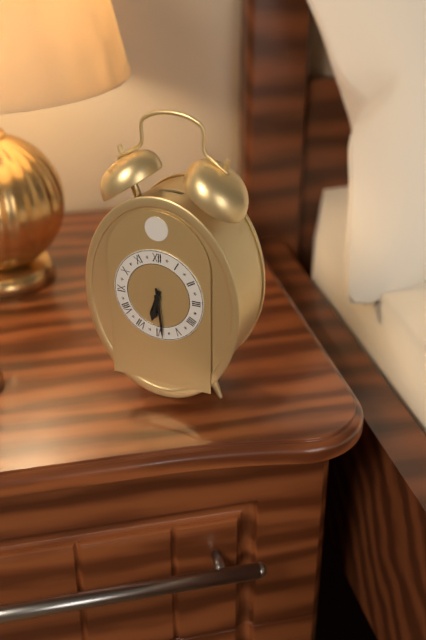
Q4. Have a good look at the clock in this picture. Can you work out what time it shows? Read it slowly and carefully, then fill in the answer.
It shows 6:29
